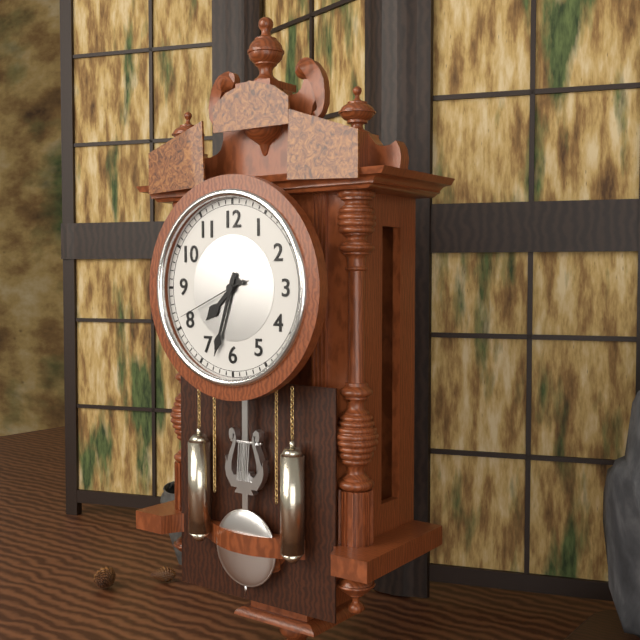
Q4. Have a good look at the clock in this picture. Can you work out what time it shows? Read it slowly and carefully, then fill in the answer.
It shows 7:33:41
